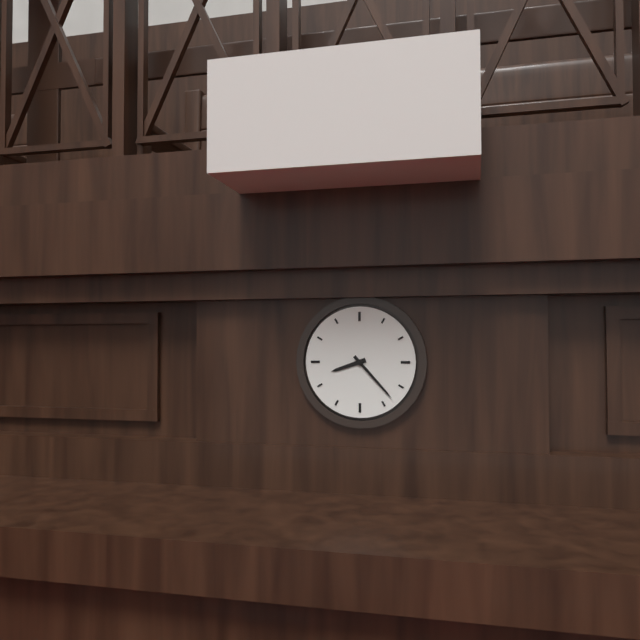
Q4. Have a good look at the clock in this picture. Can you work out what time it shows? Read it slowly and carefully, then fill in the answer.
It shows 8:23
